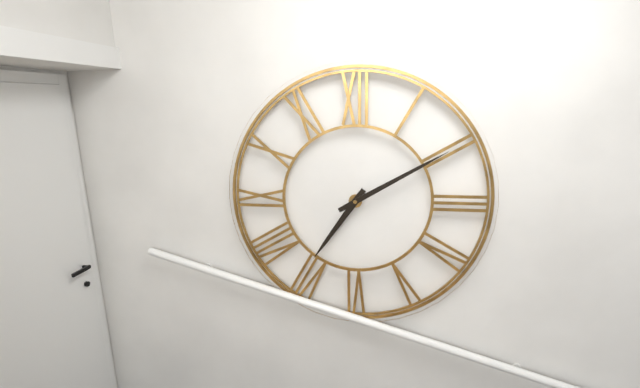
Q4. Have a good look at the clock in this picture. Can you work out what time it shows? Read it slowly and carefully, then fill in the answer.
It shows 7:10
